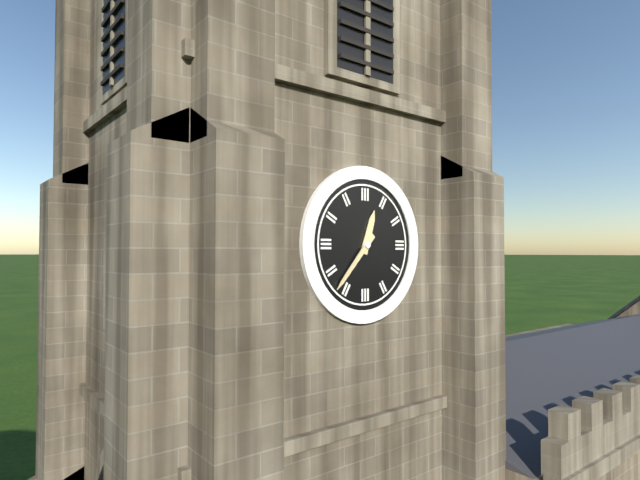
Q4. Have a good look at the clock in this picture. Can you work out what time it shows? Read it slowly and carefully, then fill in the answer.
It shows 12:37
